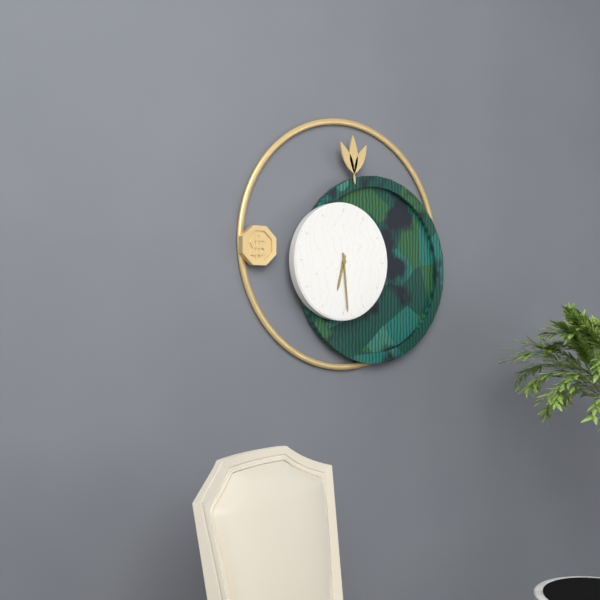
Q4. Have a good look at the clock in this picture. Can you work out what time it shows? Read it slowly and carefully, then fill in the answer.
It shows 6:29
